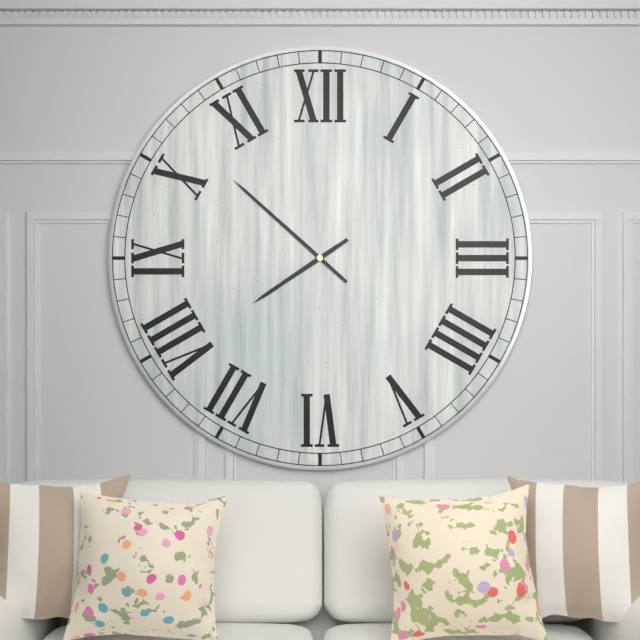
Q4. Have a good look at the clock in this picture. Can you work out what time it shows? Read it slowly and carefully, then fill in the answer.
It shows 7:52
